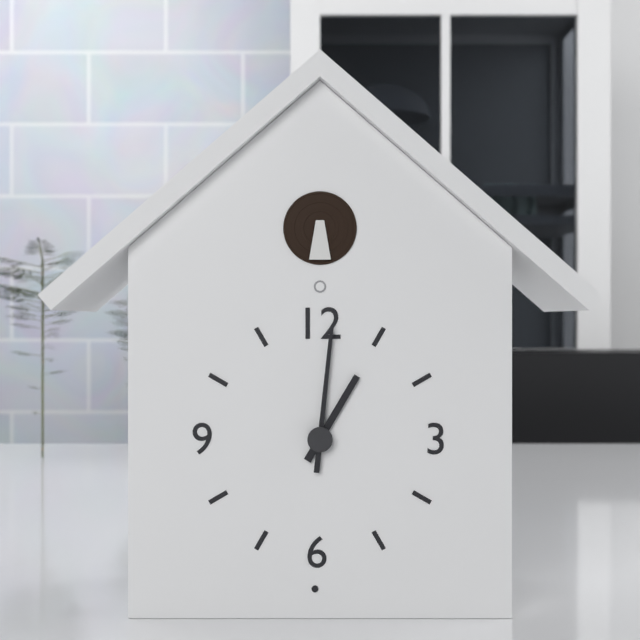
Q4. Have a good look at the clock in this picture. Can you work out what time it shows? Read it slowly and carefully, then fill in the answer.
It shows 1:01
